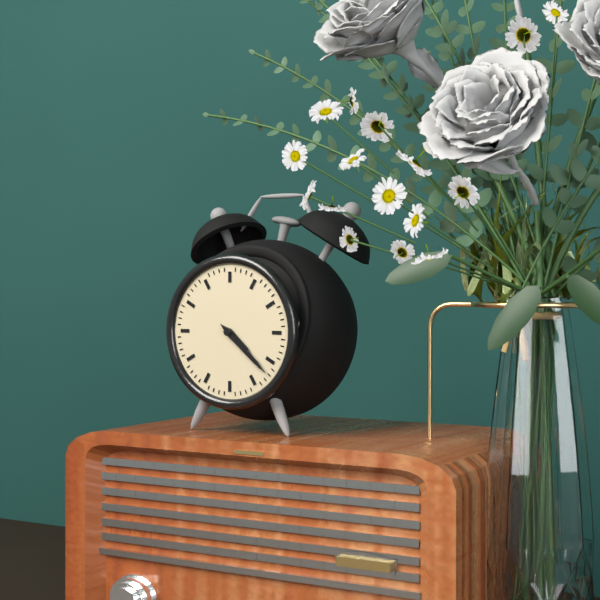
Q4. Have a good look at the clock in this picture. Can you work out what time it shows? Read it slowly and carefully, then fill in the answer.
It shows 4:22
